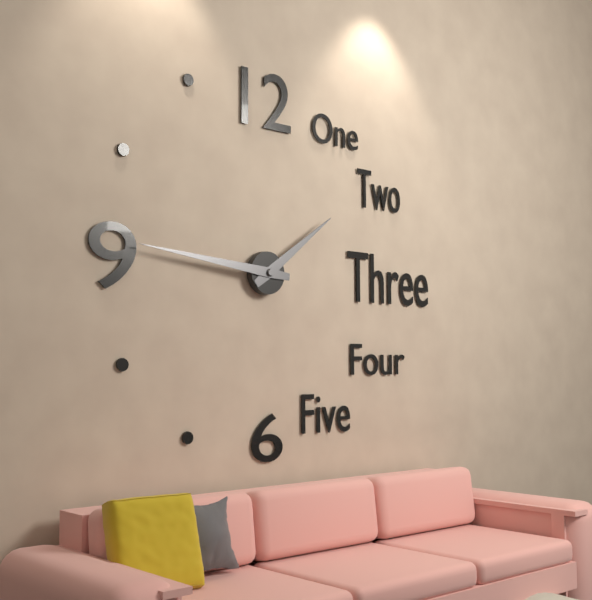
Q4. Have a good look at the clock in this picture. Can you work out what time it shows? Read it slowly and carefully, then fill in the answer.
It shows 1:46
